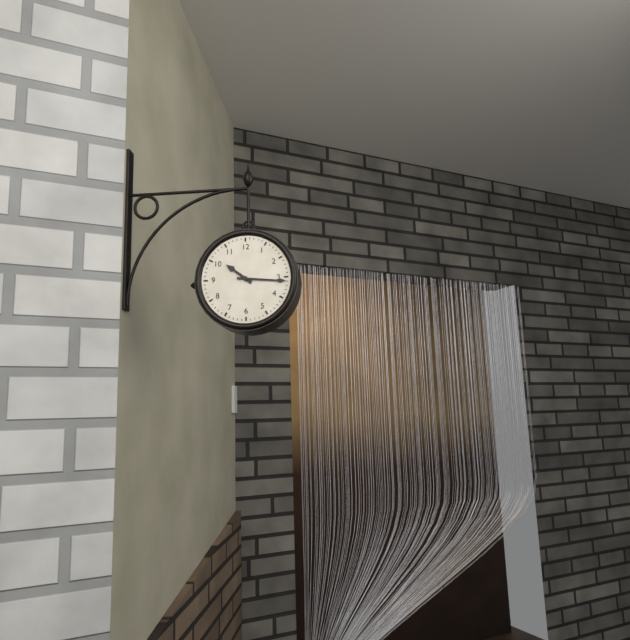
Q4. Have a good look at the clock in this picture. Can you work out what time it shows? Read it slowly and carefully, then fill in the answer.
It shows 10:16
